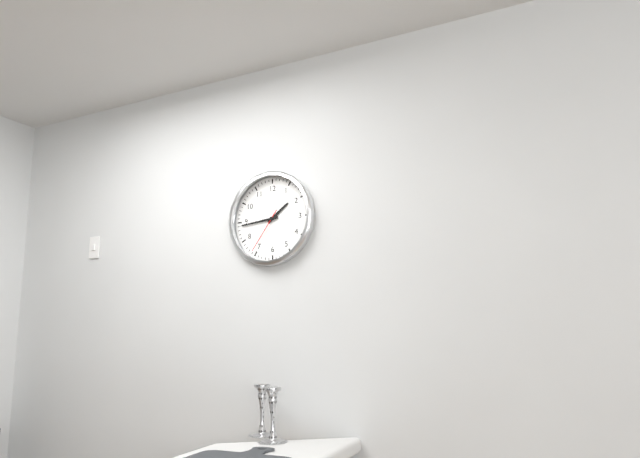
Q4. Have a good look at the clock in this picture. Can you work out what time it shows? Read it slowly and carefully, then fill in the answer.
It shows 1:44
